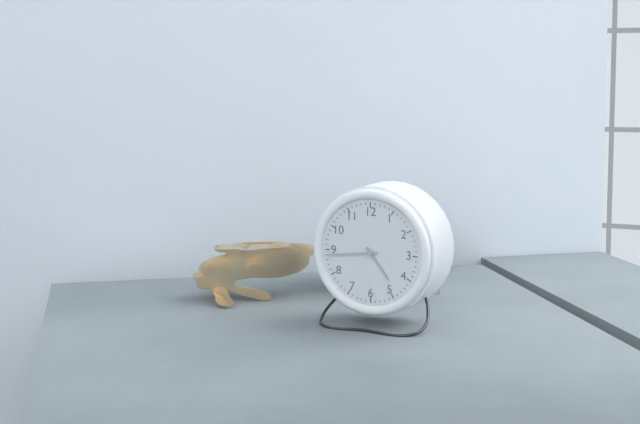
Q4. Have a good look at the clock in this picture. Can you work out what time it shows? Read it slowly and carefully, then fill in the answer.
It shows 4:44
